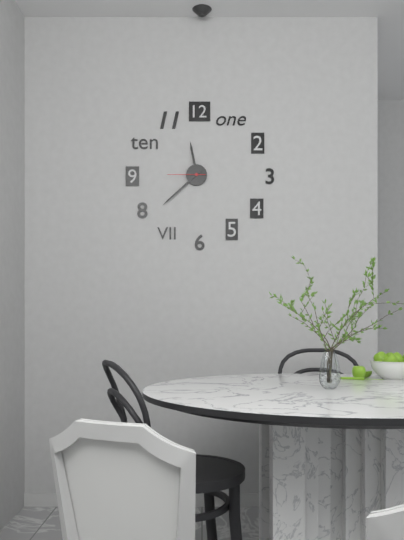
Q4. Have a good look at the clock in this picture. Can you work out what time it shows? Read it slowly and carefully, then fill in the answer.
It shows 11:38
